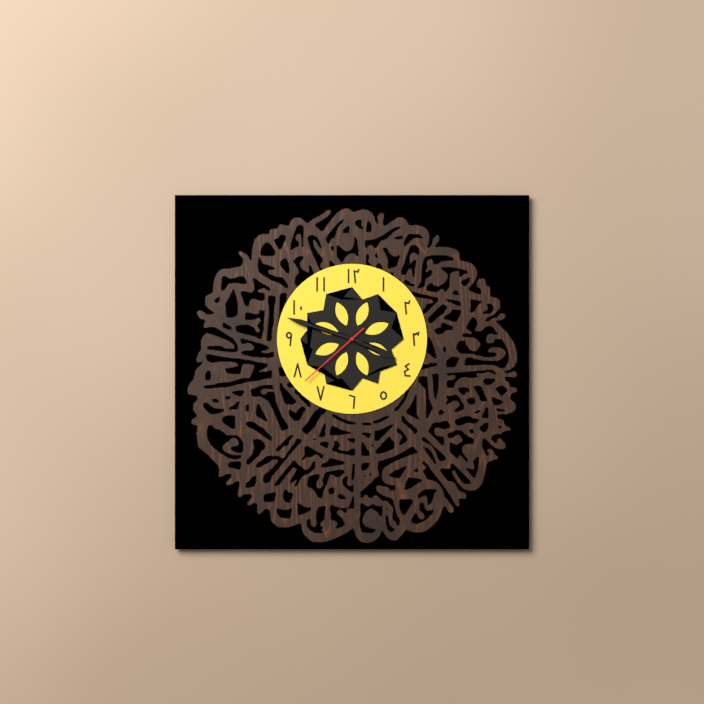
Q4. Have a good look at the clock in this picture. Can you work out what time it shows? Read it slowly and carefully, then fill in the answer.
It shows 3:48:38
